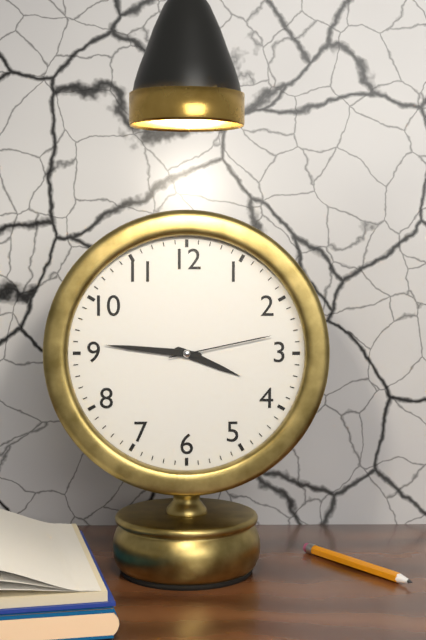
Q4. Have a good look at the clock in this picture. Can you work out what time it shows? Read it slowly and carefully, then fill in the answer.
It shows 3:46:13
